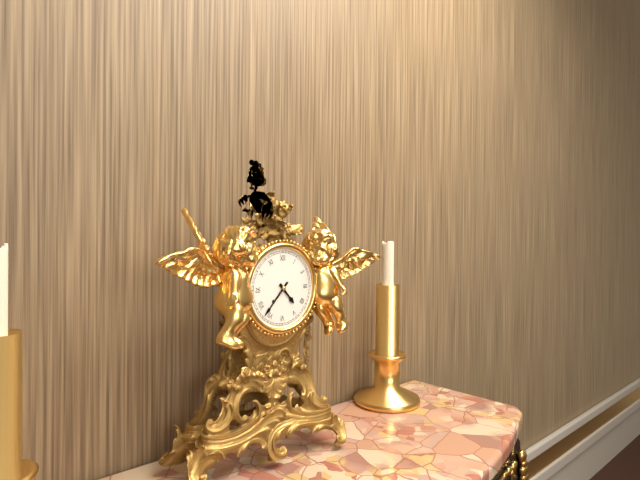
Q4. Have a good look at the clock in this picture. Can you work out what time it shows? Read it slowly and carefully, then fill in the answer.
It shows 4:37
